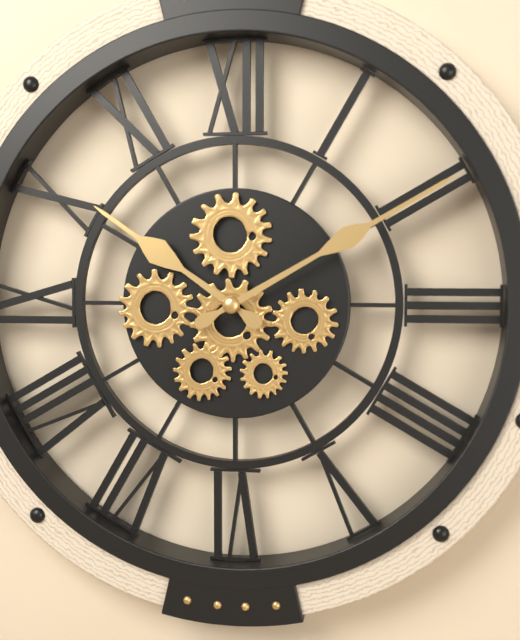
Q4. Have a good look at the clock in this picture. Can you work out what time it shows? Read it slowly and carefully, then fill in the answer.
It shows 10:10
